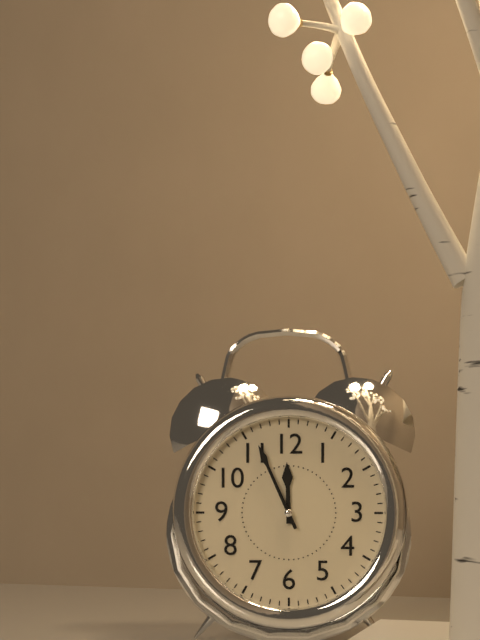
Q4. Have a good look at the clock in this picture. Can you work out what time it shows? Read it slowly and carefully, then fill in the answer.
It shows 11:56
